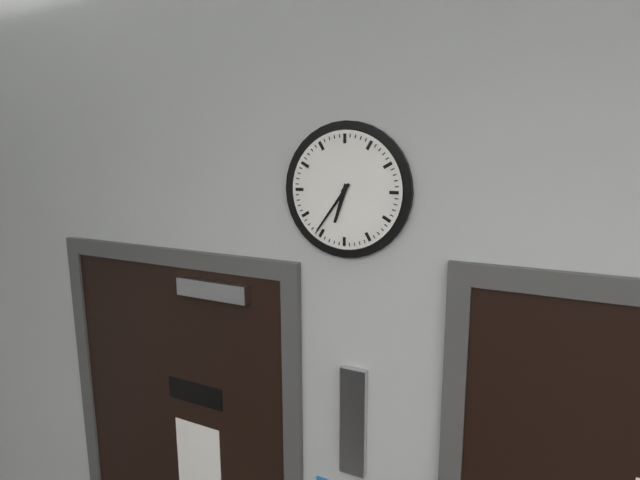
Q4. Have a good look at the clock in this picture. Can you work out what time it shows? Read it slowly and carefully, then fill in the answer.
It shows 6:36
